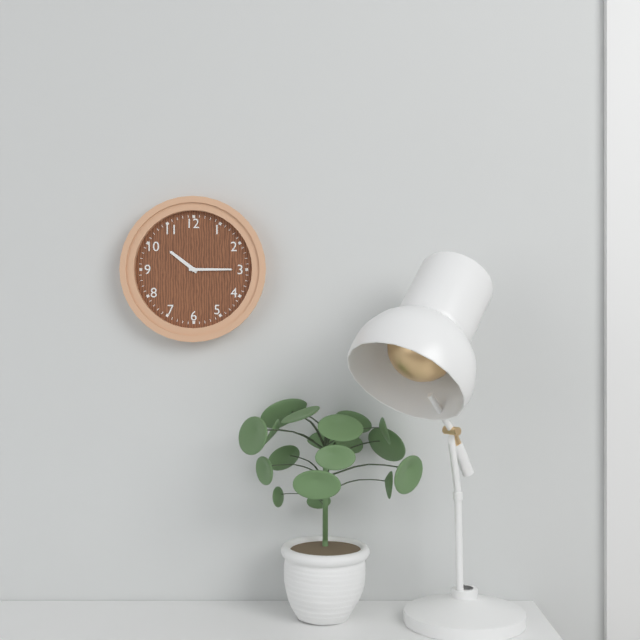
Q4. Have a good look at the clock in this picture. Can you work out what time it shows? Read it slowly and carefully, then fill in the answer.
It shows 10:15
